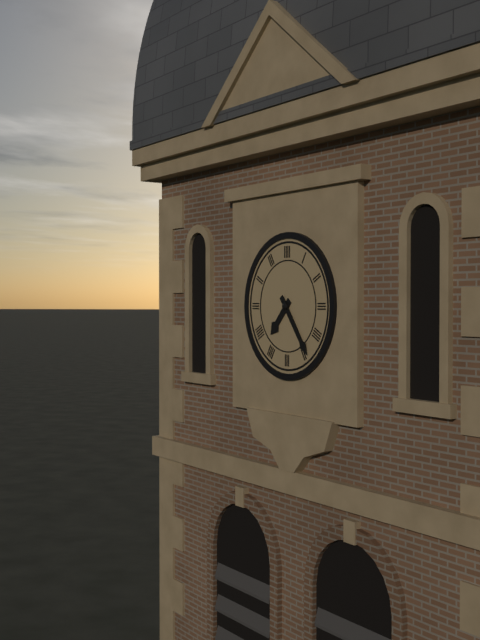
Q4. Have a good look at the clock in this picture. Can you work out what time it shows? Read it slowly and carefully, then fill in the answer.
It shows 7:24
